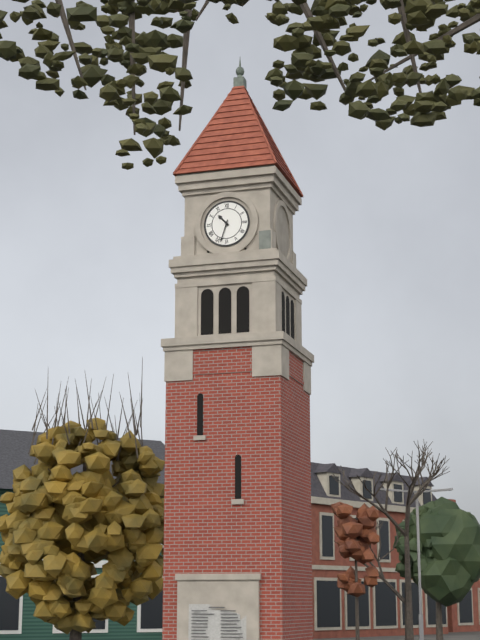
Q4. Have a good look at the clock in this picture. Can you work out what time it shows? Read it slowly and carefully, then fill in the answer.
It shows 10:33
